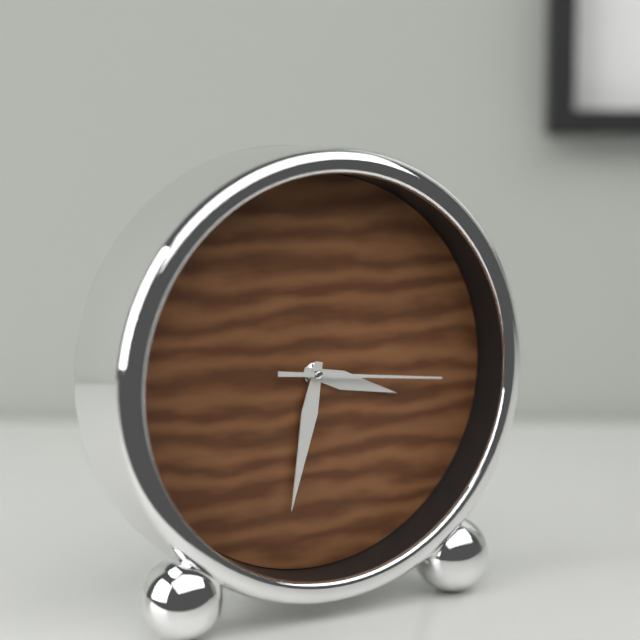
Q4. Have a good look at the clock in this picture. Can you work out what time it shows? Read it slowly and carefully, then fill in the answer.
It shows 3:32:16
